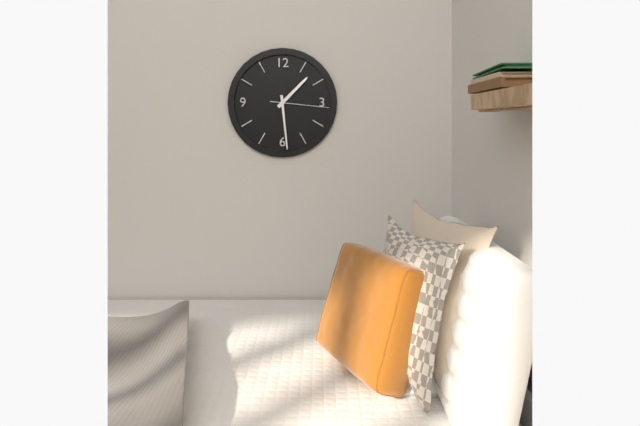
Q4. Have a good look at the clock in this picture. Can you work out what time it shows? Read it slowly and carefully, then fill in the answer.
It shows 1:29:16
